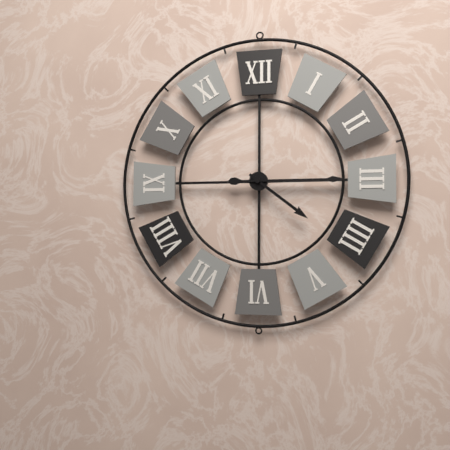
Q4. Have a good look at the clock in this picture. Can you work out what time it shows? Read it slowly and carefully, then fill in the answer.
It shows 4:15
